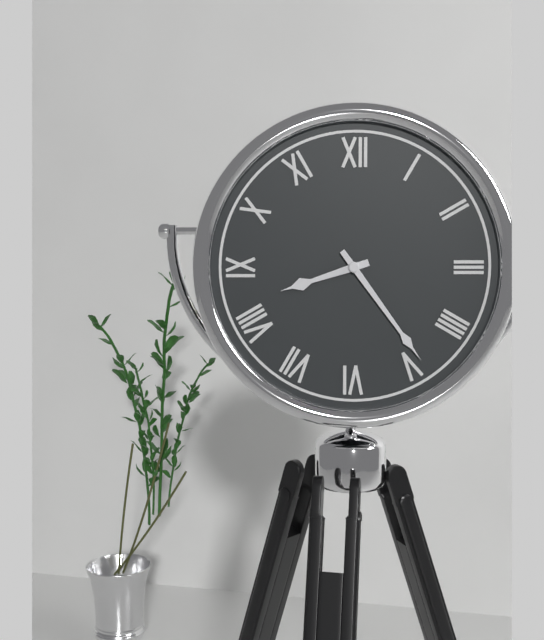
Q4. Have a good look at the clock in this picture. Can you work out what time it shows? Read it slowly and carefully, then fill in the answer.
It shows 8:24
